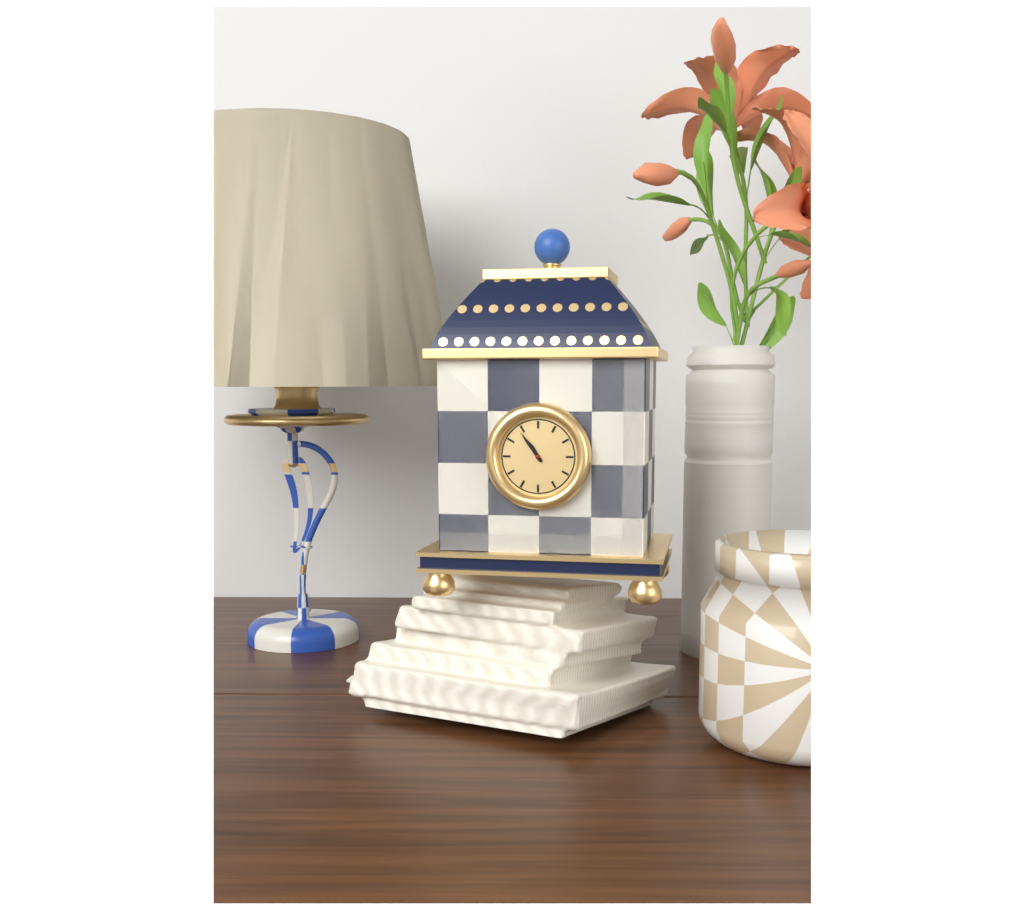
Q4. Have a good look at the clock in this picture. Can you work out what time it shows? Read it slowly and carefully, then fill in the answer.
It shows 10:54
